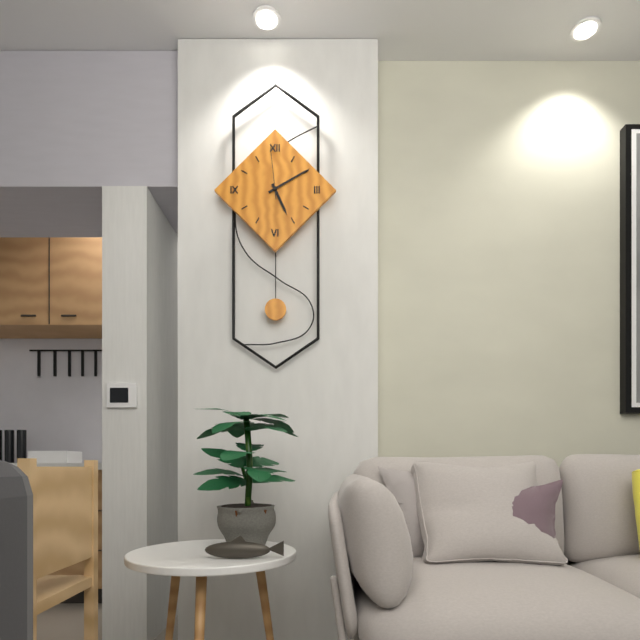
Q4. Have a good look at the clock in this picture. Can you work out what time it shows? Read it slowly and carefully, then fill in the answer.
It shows 5:10:59
